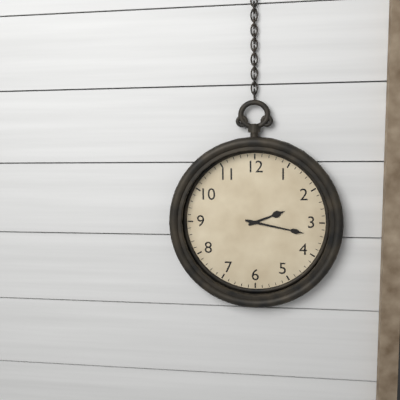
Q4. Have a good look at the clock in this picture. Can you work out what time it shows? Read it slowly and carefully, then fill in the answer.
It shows 2:17
